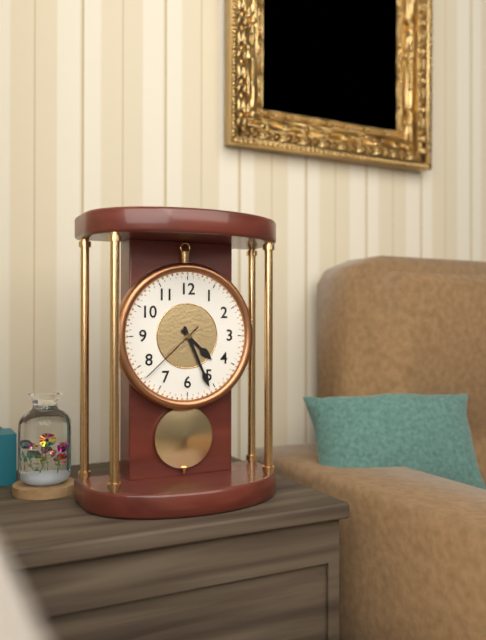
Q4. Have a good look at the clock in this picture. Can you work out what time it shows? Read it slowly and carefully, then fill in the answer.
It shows 4:26:38
